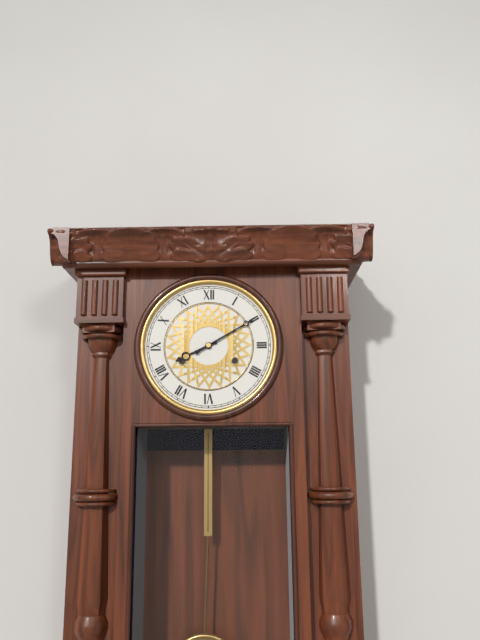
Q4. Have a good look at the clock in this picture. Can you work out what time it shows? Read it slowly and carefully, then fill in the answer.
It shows 8:10
